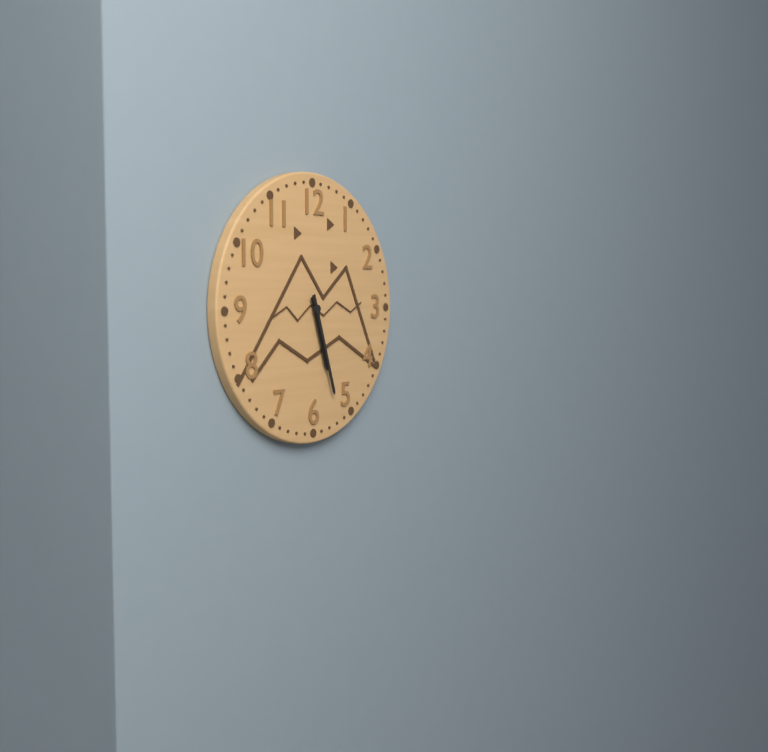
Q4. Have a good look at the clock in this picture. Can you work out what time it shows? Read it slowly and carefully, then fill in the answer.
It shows 5:27
